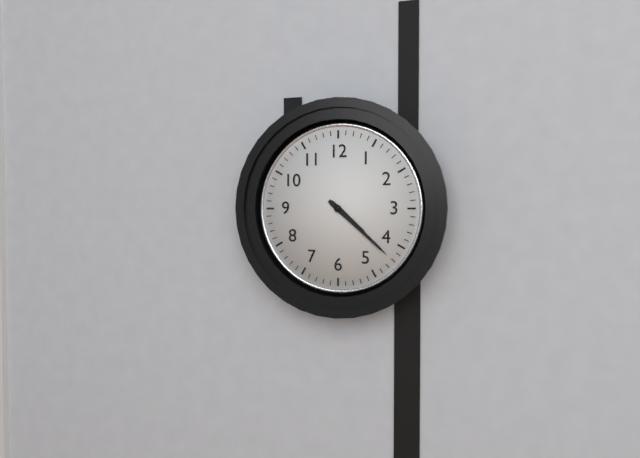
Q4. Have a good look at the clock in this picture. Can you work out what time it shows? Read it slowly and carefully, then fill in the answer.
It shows 4:22
